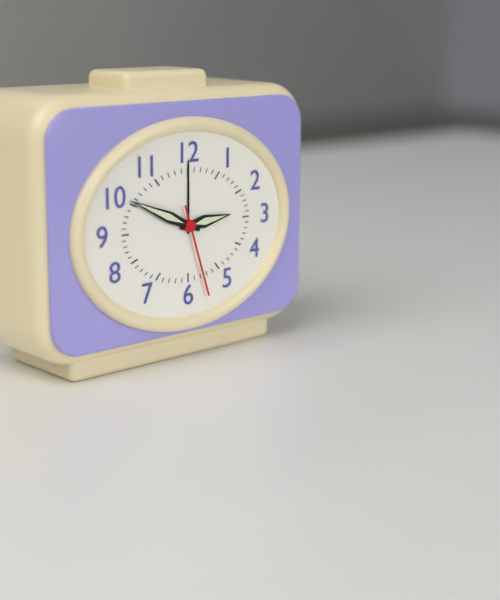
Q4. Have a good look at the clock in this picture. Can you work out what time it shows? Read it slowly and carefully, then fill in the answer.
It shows 2:49:27
